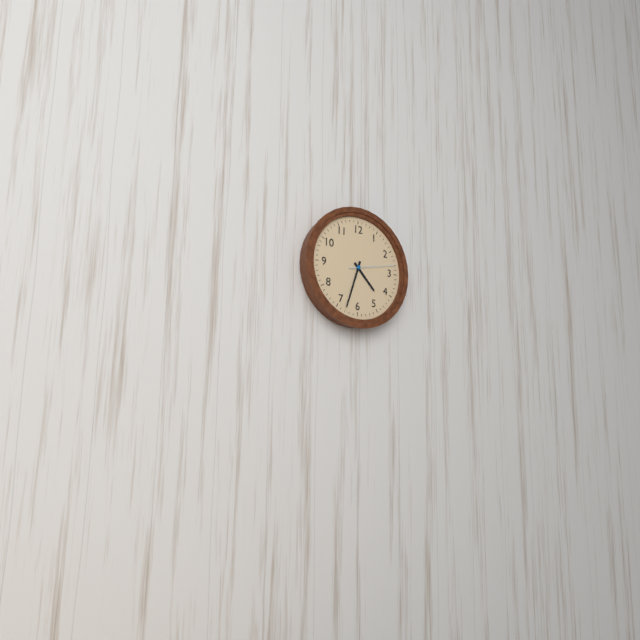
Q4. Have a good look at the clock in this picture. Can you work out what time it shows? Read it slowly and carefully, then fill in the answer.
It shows 4:33
